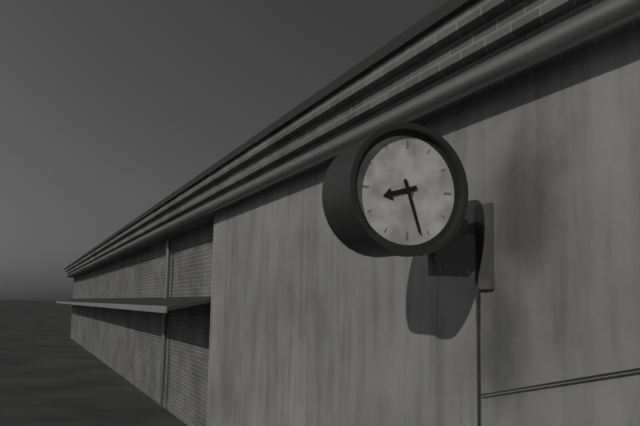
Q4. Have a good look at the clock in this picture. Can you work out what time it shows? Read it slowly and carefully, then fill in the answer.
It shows 8:27
